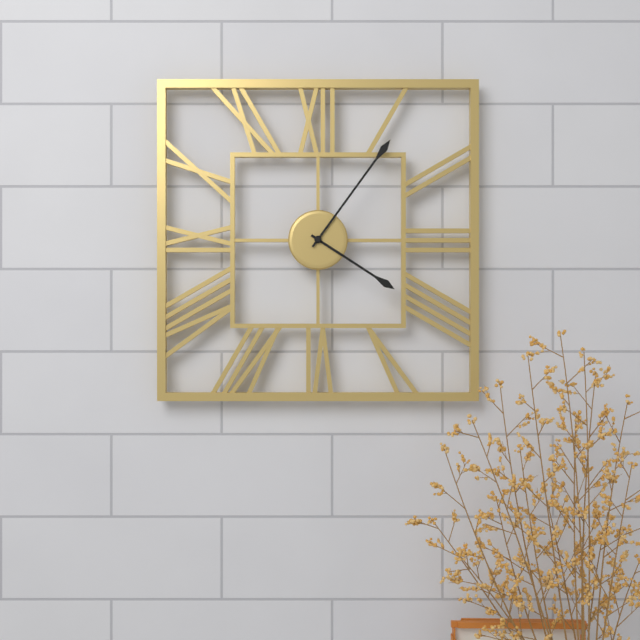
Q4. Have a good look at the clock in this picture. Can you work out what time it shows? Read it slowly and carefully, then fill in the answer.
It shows 4:06
